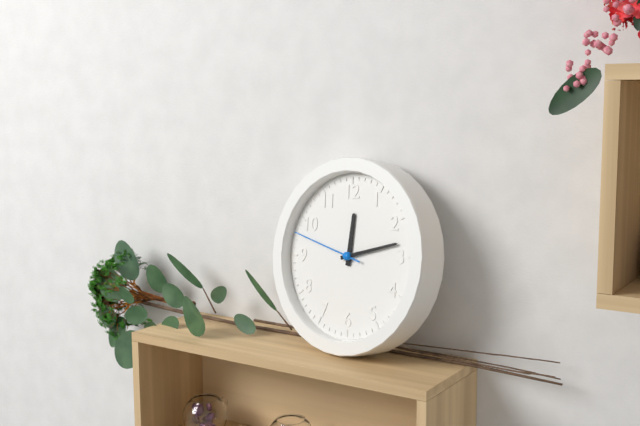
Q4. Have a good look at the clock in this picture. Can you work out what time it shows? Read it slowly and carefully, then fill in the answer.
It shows 12:13:48
